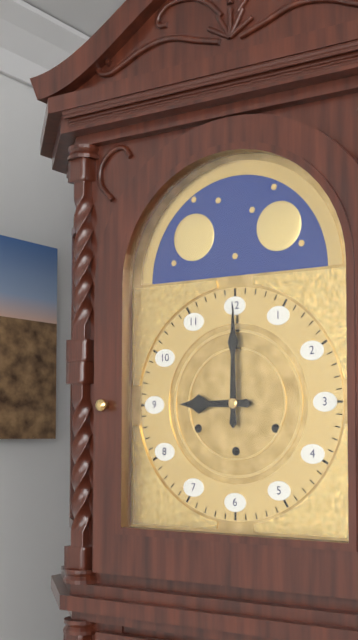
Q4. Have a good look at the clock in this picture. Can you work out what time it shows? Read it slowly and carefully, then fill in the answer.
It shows 9:00
